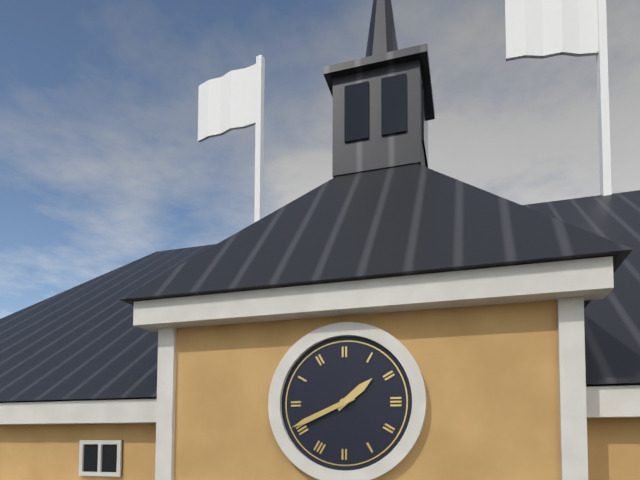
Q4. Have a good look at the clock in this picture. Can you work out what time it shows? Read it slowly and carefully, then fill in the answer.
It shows 1:41
